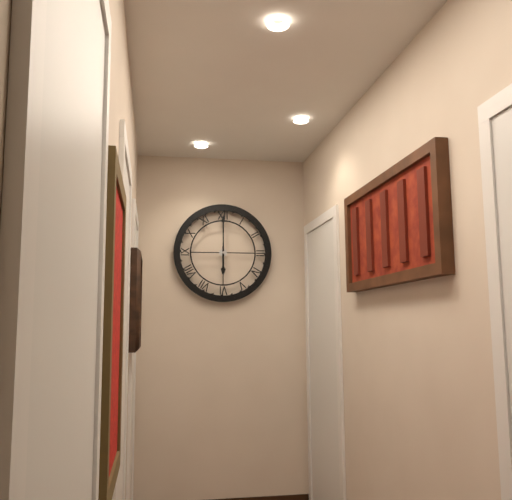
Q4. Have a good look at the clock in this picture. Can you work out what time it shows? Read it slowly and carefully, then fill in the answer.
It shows 6:00
